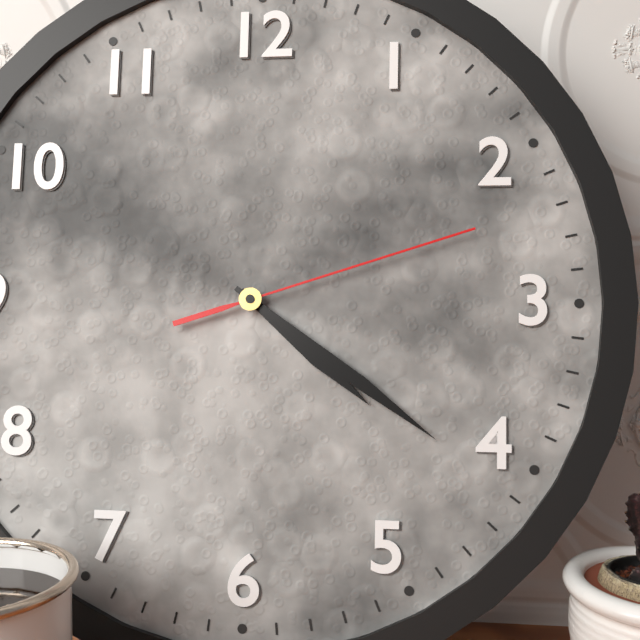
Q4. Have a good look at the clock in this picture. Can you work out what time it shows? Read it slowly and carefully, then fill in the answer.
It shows 4:21:12
